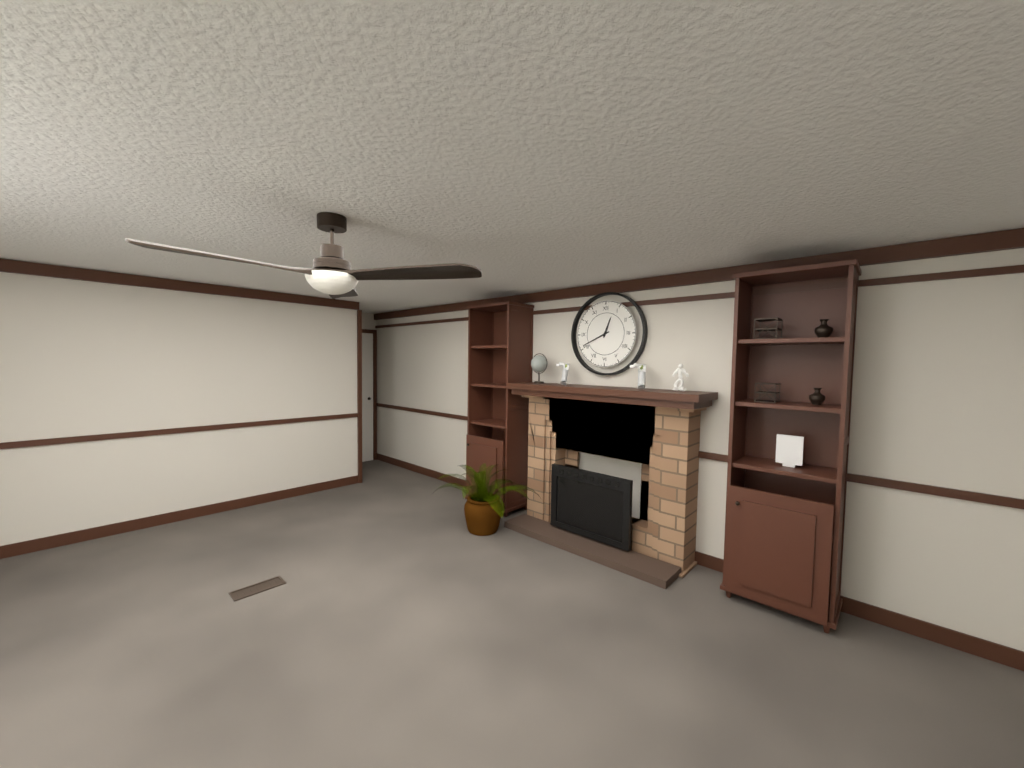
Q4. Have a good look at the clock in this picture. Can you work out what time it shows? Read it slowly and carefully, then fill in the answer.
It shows 12:41
